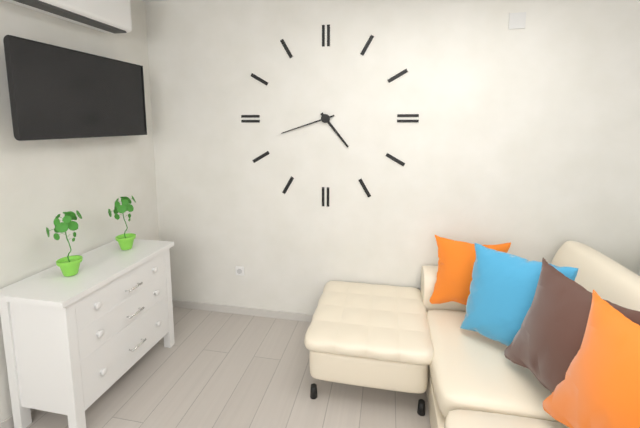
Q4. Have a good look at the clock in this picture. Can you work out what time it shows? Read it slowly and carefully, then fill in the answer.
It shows 4:42
